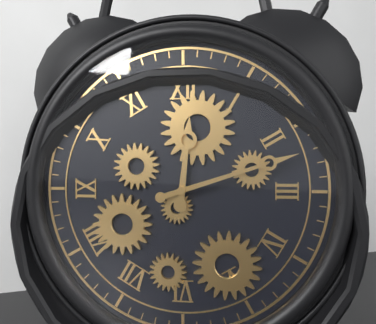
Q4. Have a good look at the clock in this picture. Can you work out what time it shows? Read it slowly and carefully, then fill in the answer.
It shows 12:12
